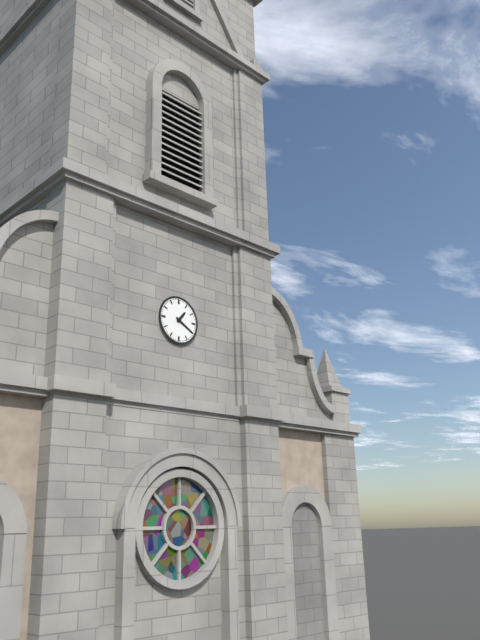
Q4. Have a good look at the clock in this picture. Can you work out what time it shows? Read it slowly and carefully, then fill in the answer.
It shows 1:20
